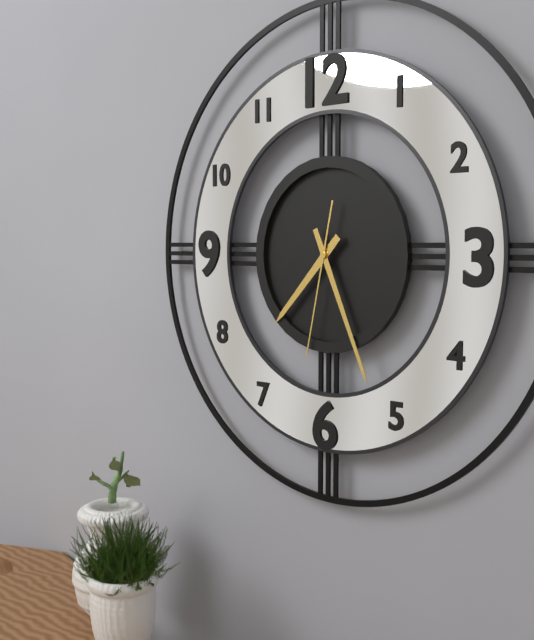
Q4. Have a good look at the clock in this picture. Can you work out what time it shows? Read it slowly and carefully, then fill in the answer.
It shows 7:26:32
